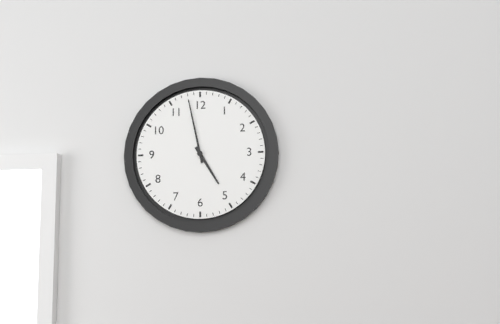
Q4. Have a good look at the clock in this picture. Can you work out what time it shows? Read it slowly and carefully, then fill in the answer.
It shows 4:58
